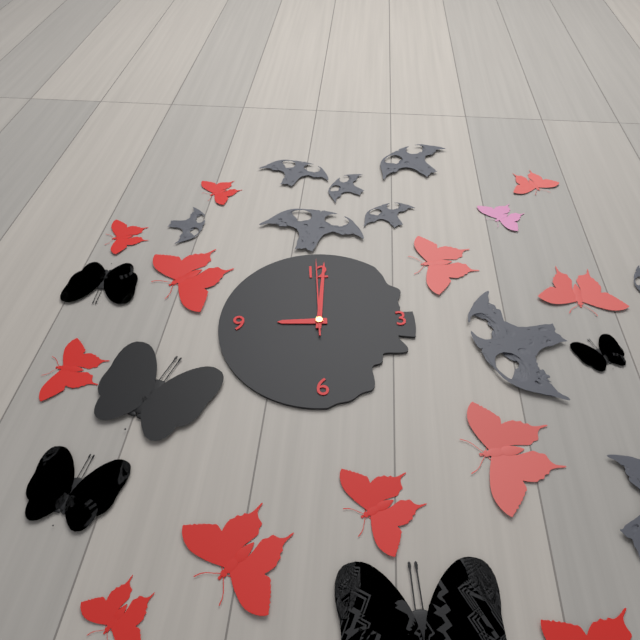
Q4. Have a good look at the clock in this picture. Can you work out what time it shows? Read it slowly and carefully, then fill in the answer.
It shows 9:01:00
